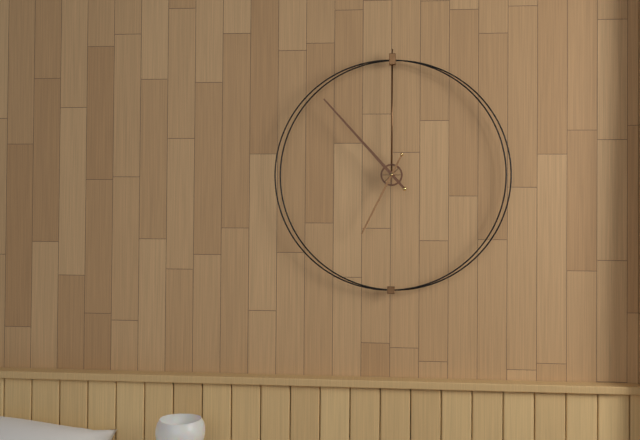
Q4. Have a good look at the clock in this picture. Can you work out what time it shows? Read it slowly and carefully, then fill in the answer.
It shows 6:53
